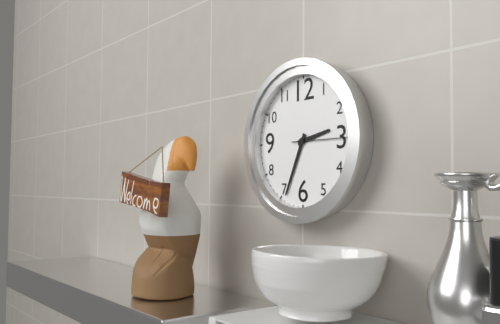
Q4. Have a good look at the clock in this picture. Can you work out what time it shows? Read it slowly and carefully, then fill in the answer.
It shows 2:34:15
